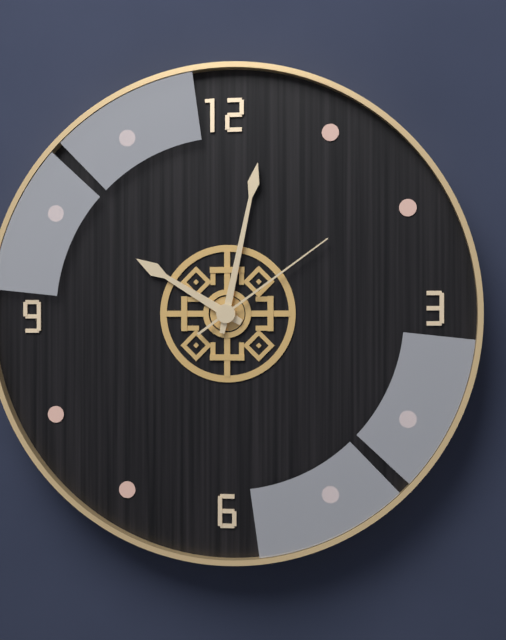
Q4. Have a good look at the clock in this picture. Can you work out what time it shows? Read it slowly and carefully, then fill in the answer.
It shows 10:02:09
